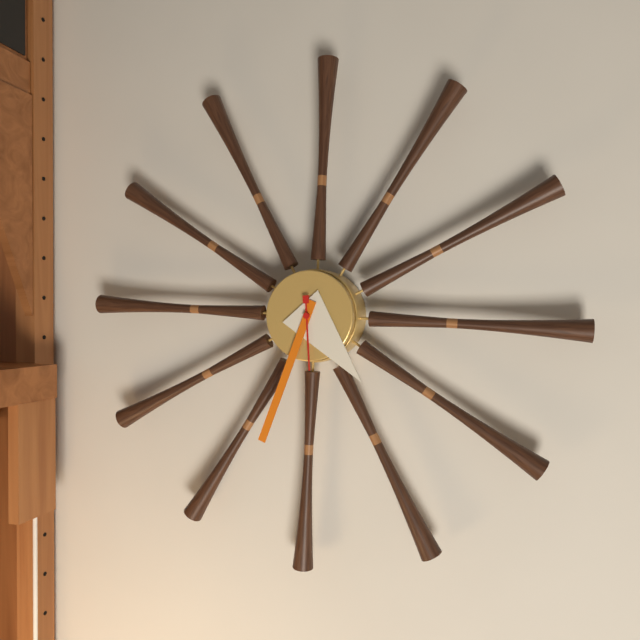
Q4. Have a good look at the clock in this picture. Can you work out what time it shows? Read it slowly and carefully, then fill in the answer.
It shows 4:33:29
